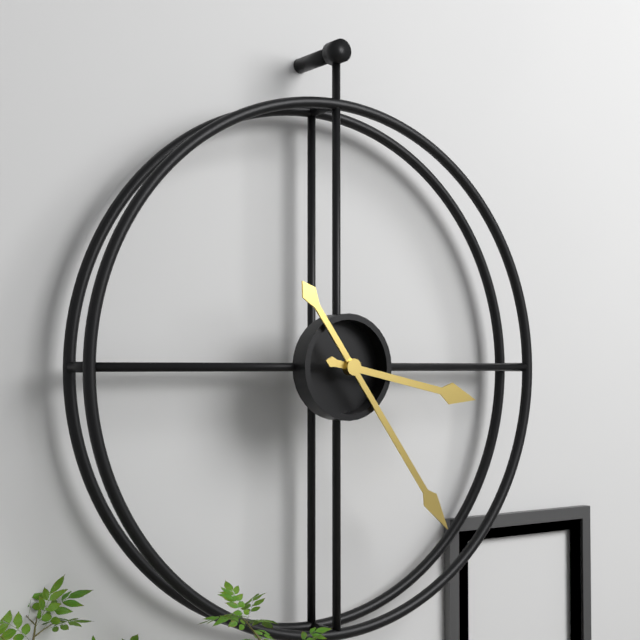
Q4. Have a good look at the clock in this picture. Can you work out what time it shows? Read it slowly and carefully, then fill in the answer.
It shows 3:24
